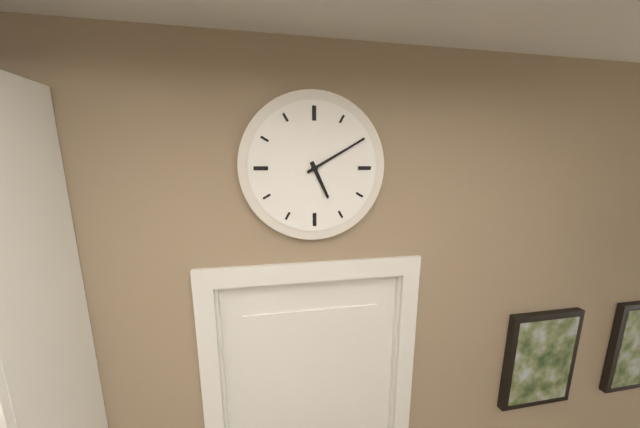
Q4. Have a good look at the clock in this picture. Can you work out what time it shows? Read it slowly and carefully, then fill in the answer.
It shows 5:10
